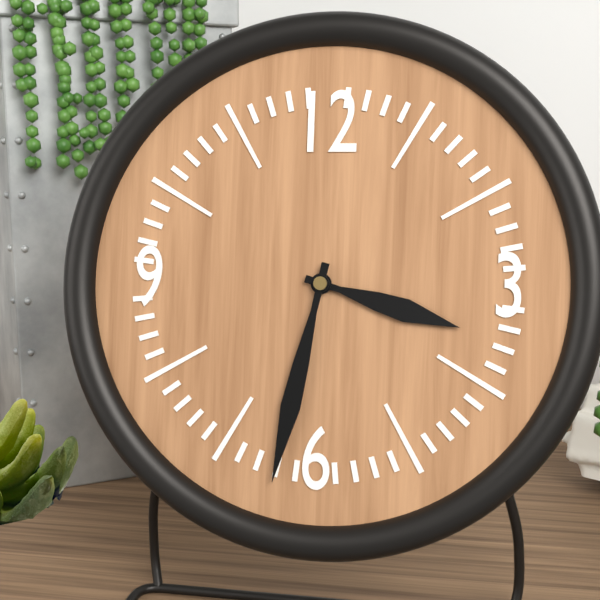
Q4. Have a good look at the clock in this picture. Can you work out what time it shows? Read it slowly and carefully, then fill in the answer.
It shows 3:32
